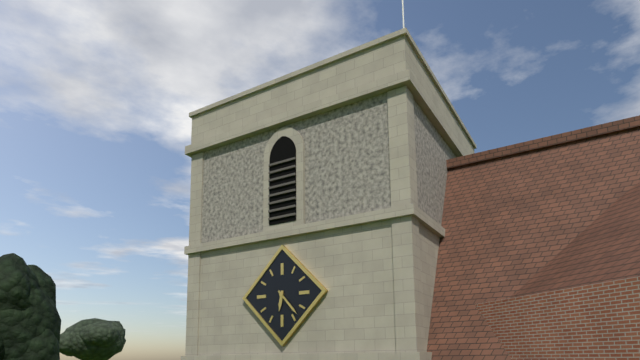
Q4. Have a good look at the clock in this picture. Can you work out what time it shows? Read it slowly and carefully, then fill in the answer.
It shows 6:23
